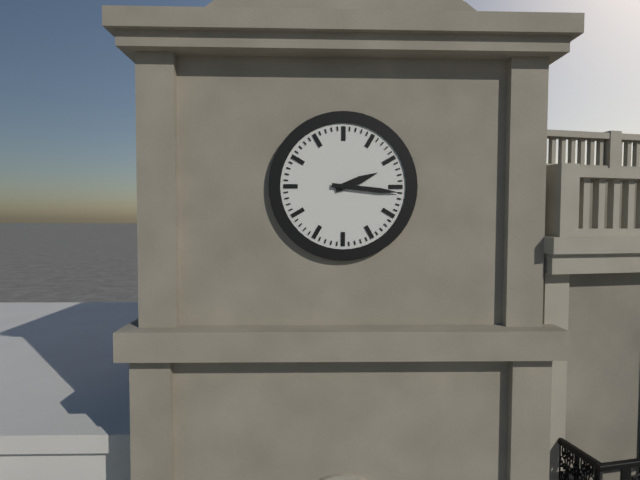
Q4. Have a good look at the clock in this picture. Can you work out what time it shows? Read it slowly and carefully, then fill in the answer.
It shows 2:16
